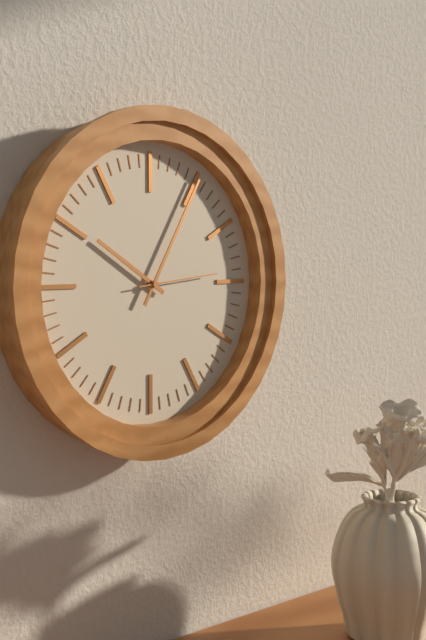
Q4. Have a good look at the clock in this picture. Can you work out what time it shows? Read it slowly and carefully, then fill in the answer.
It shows 10:05:14
